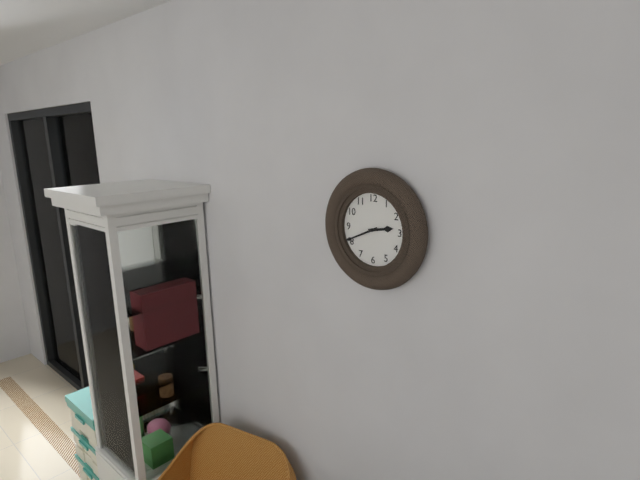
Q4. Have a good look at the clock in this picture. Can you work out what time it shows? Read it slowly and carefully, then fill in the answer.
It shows 2:41
